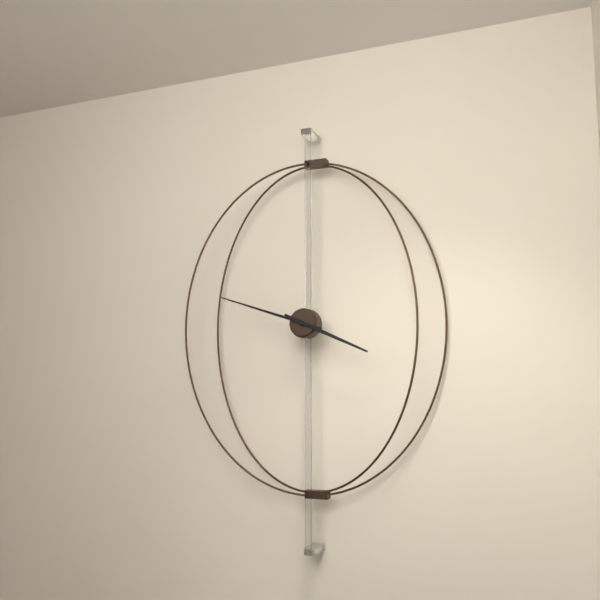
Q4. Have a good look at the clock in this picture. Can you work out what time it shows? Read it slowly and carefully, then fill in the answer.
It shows 3:48
